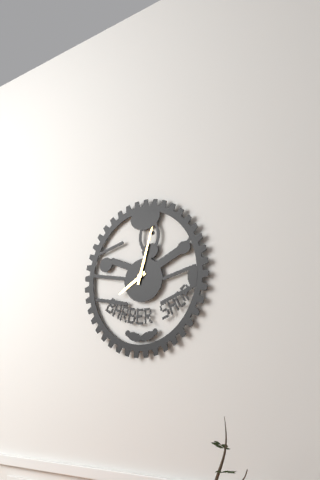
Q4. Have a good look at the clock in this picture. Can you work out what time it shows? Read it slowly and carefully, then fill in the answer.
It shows 8:03
